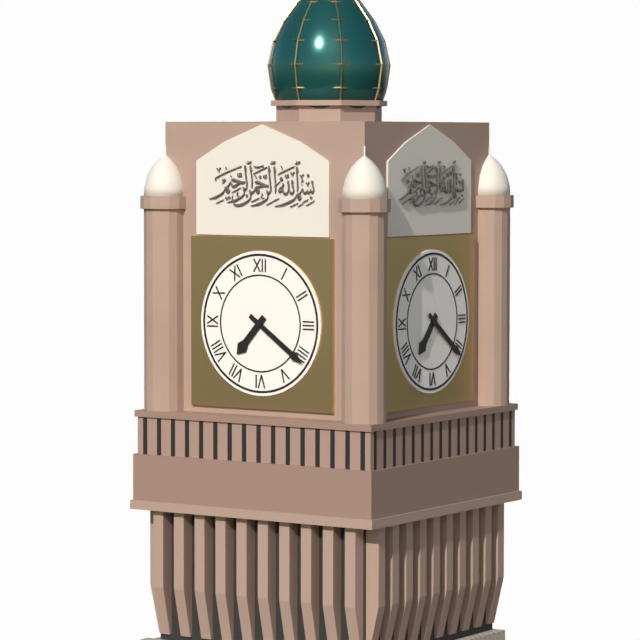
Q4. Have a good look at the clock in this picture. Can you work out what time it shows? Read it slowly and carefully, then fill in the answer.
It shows 7:21
